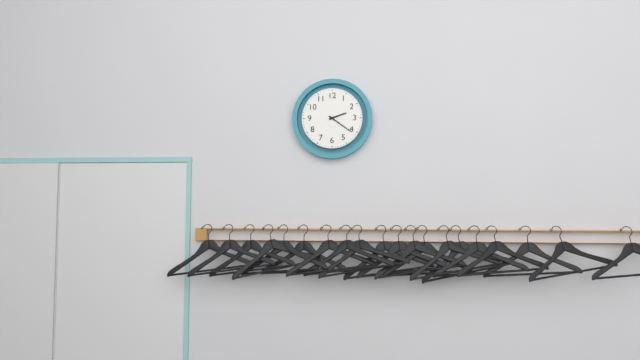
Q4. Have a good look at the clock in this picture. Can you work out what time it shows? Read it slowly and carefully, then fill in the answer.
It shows 2:21
